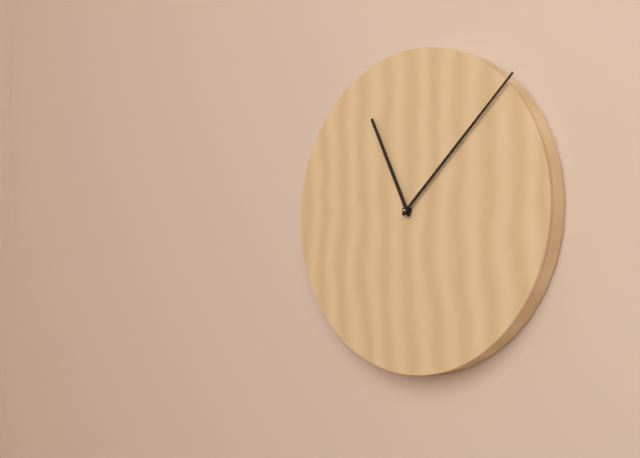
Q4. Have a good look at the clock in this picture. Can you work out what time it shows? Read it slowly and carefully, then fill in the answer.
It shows 11:08
